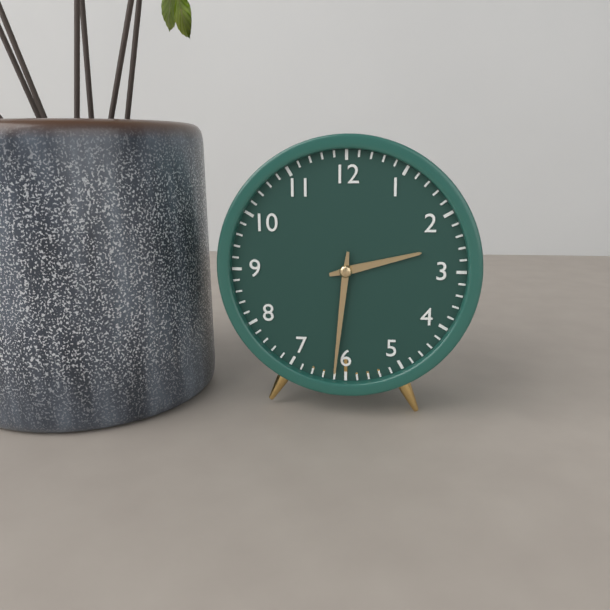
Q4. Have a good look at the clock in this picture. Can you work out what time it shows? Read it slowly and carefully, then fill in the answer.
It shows 2:31
